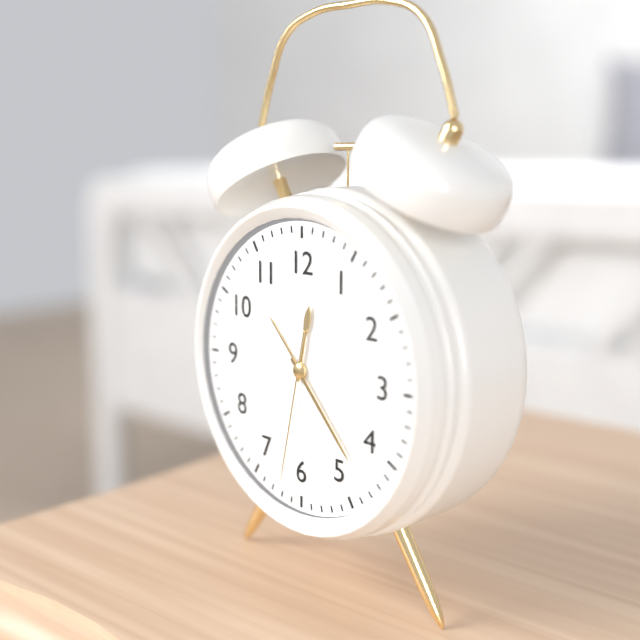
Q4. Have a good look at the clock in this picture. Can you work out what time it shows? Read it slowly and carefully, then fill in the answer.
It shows 12:23:32
